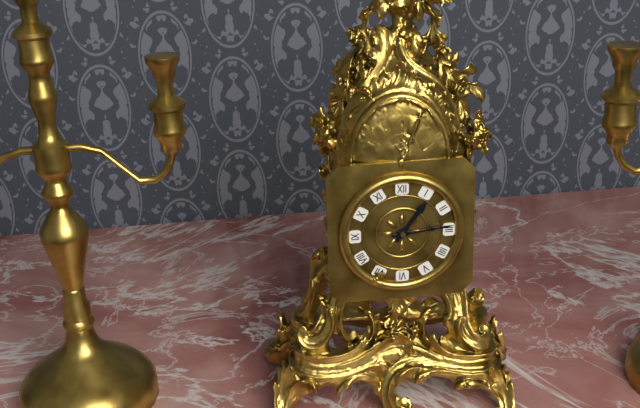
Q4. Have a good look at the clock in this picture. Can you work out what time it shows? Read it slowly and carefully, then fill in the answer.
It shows 1:14
